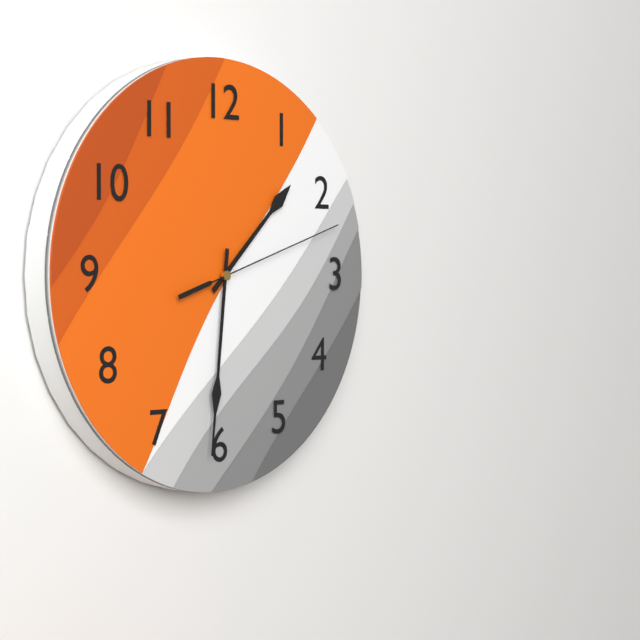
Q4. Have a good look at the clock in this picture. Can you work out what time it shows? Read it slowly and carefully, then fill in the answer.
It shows 1:31:12
